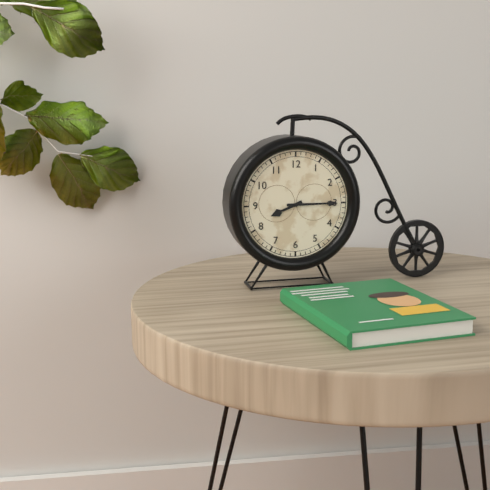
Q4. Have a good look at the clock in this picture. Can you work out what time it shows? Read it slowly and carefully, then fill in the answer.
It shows 8:15
